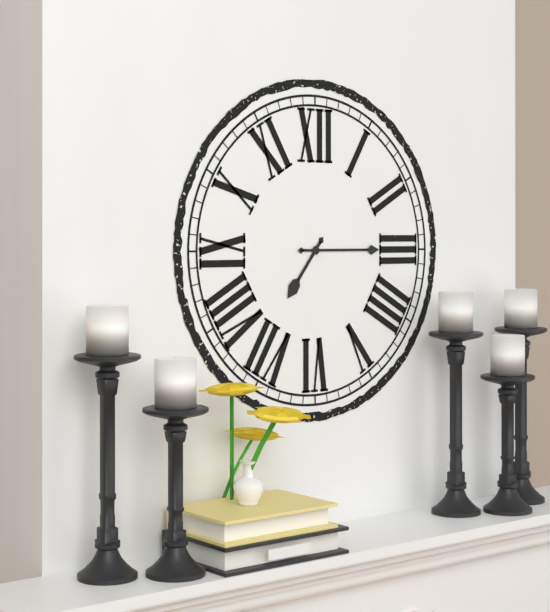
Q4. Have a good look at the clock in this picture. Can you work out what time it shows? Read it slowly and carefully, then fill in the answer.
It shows 7:15
